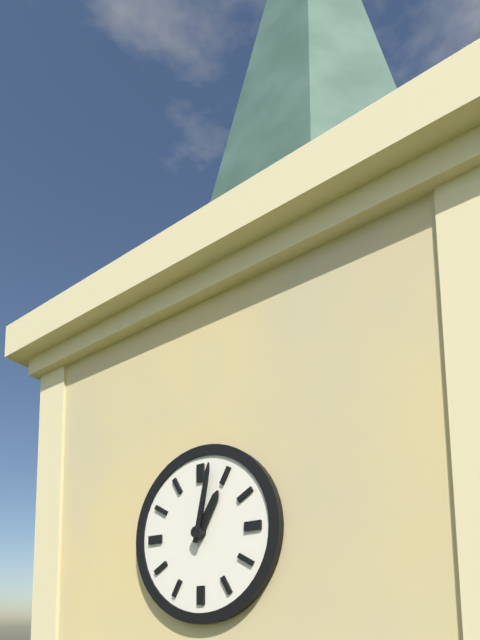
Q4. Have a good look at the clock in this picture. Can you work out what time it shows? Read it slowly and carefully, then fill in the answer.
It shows 1:02
